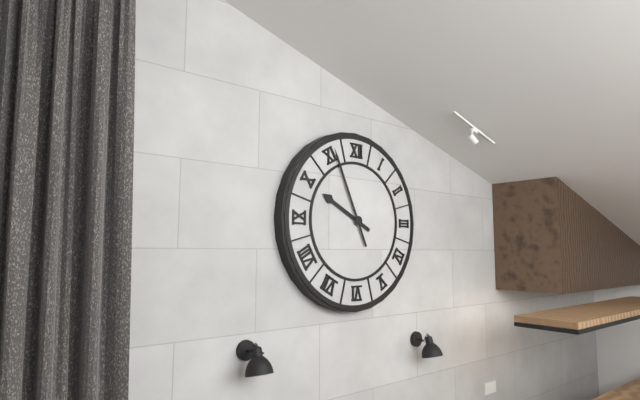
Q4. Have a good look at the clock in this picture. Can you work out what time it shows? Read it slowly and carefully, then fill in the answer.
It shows 9:56
